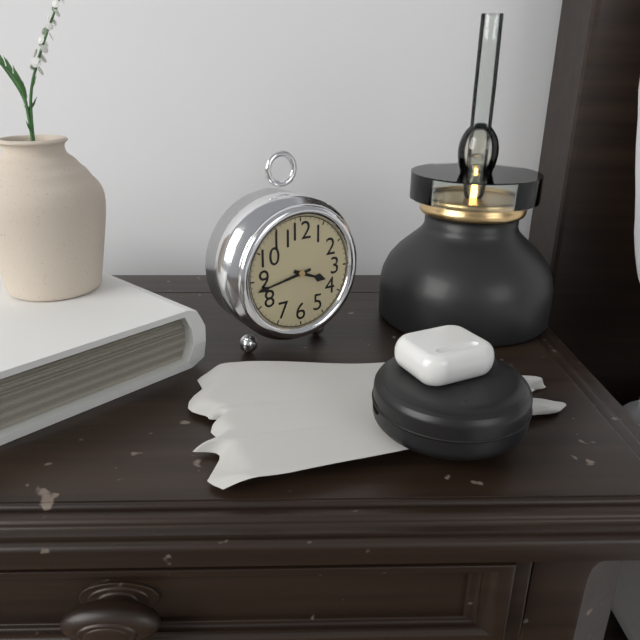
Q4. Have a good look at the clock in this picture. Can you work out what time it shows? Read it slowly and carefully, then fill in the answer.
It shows 3:43
